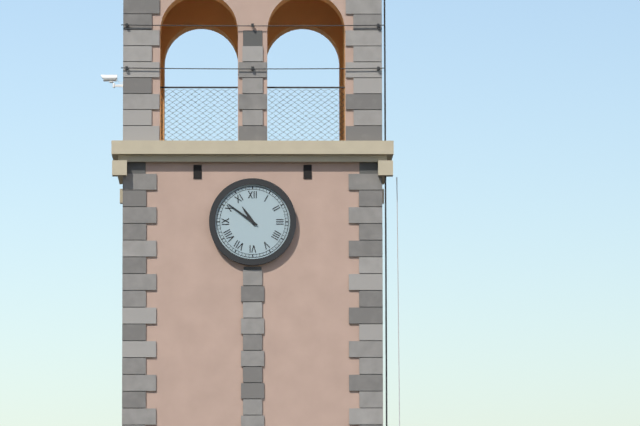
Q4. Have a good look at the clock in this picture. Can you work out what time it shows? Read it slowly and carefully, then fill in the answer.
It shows 10:51
